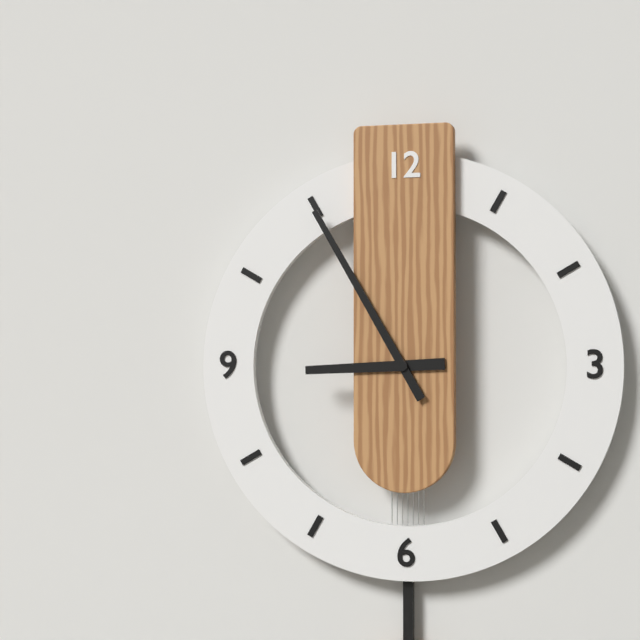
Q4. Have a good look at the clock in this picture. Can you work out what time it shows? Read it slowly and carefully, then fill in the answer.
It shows 8:55
